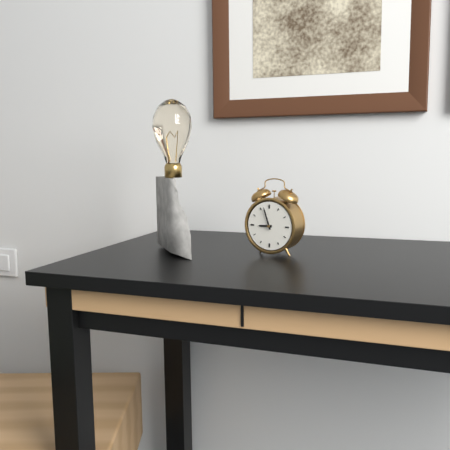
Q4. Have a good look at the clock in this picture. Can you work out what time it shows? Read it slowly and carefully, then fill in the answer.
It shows 8:57
